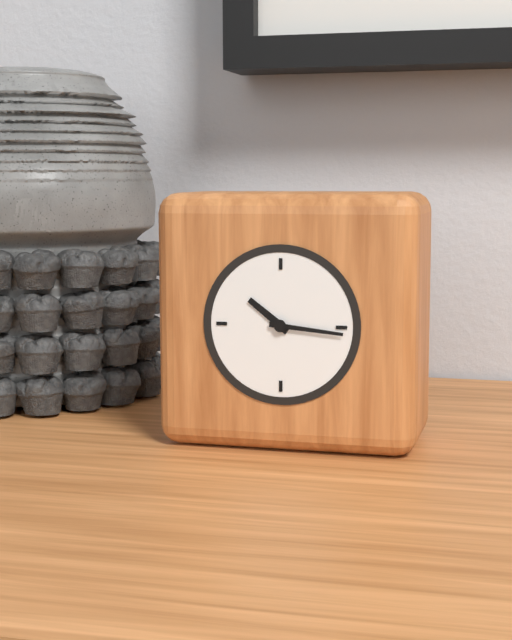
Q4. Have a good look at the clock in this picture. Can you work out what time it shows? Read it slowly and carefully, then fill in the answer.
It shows 10:16
